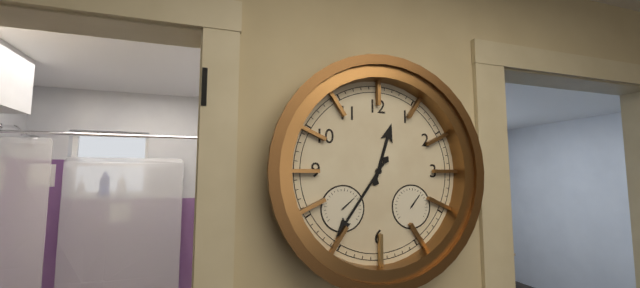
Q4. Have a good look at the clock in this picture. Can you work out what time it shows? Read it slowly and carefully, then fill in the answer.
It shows 12:36
